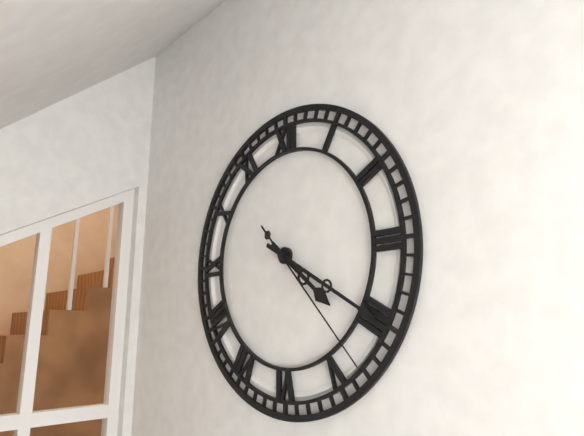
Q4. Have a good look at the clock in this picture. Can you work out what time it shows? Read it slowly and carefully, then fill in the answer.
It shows 4:20:23
